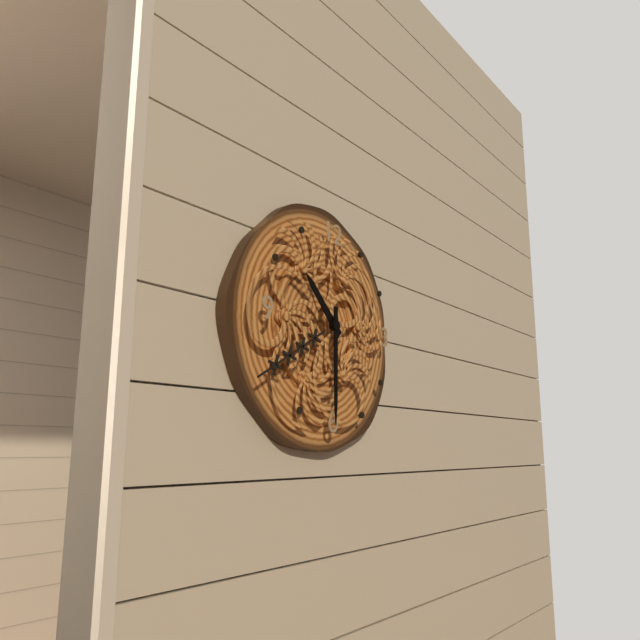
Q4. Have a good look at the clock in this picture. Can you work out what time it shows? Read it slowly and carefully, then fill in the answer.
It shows 10:30
